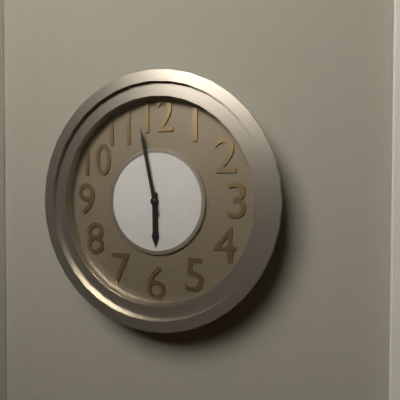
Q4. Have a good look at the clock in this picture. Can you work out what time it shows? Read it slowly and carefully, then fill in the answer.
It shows 5:58
